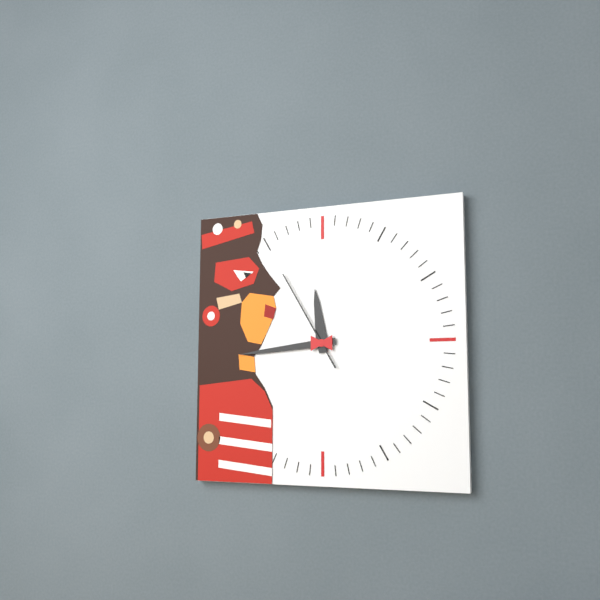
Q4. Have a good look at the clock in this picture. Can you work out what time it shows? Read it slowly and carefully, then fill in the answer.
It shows 11:44:55
